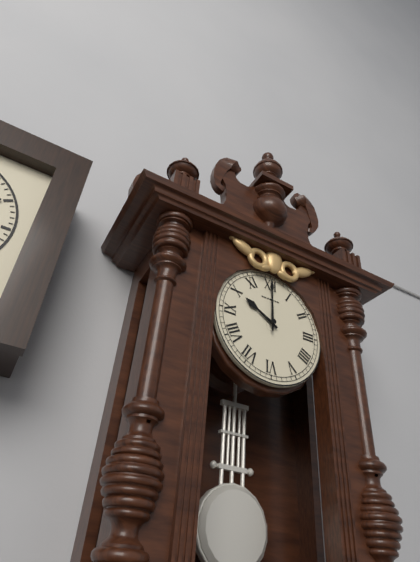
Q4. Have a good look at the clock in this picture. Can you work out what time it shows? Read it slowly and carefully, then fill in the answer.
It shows 10:00
